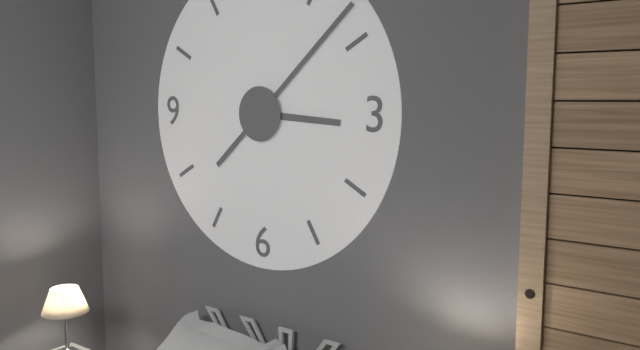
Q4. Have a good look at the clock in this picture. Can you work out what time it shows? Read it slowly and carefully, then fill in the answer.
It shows 3:08
